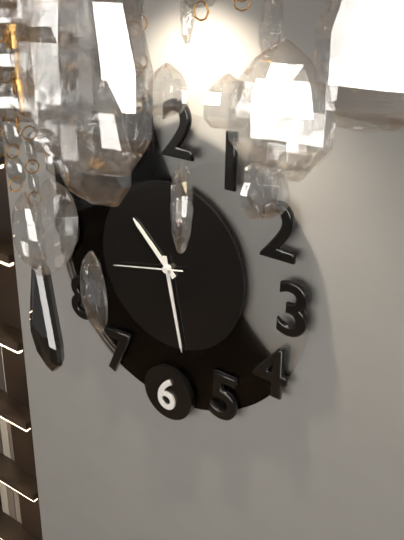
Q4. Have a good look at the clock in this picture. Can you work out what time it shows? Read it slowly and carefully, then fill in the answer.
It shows 10:28:43
